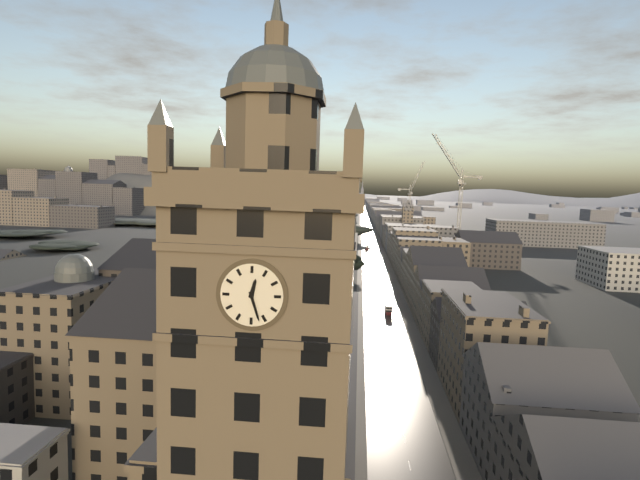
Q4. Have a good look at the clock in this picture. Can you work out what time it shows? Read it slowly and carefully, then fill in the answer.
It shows 12:27
